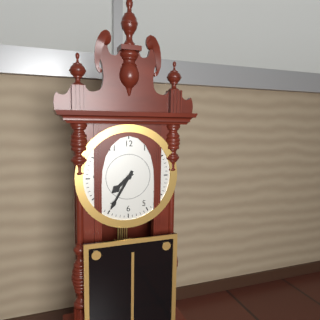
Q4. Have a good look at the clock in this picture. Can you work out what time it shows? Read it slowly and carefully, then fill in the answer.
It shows 7:35
